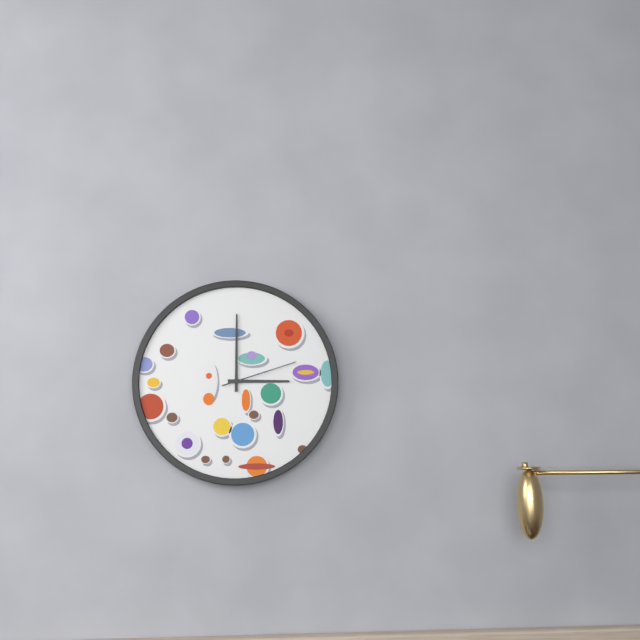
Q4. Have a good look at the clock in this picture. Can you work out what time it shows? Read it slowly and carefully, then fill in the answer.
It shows 3:00:12
